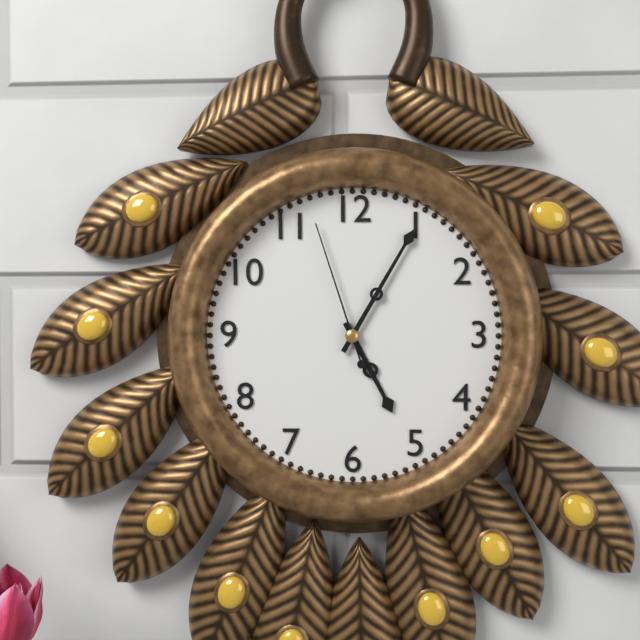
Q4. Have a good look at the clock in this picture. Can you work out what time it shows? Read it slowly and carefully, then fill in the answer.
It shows 5:05:57
